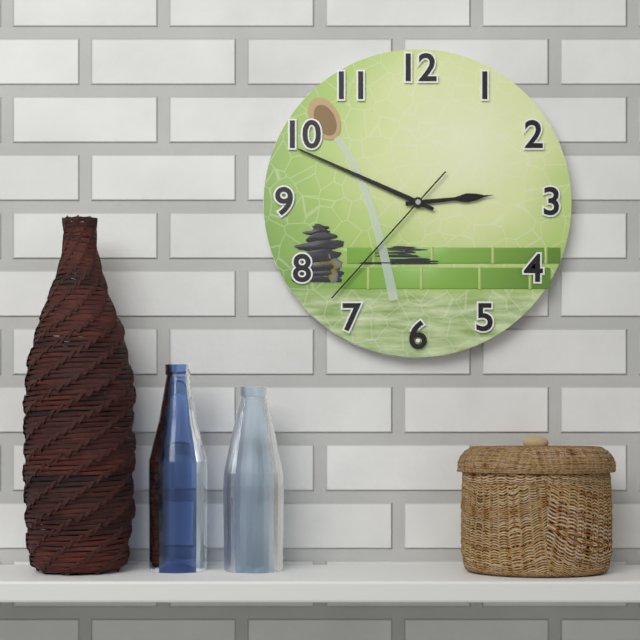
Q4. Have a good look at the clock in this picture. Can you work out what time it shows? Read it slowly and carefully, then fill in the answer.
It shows 2:49:37
